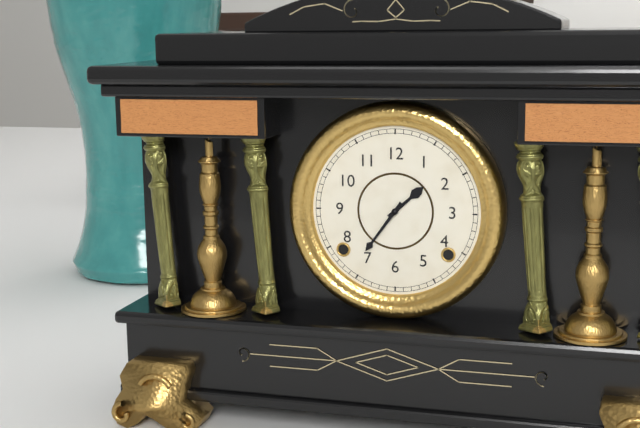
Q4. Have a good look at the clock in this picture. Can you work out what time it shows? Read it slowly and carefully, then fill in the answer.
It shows 1:36
